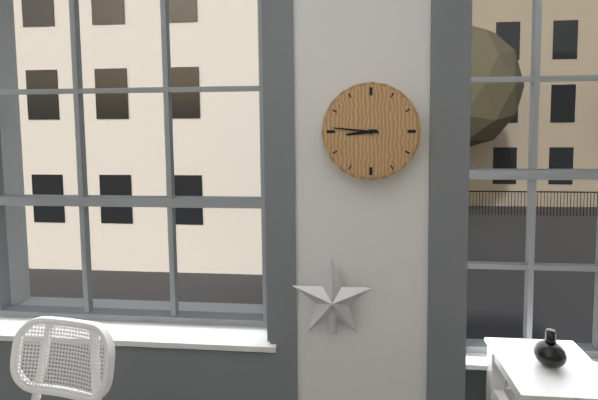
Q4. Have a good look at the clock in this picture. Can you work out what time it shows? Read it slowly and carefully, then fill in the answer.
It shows 8:46
